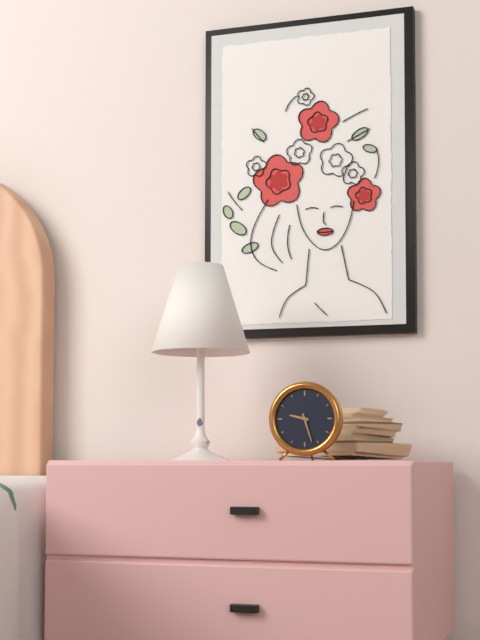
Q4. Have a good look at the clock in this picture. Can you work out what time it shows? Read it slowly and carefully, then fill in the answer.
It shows 9:27
